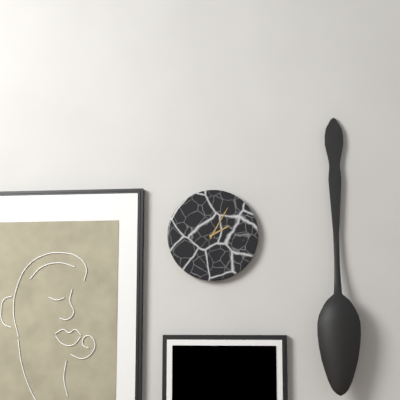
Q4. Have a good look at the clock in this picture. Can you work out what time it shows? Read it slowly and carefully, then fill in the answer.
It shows 2:05
